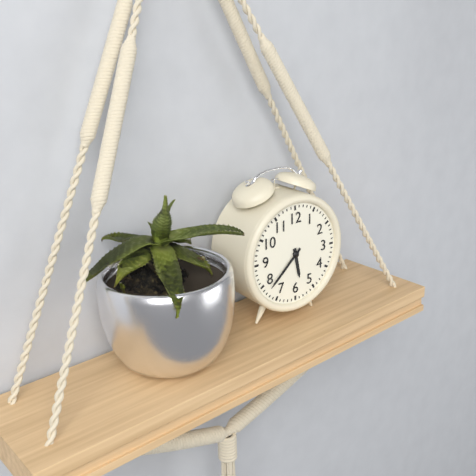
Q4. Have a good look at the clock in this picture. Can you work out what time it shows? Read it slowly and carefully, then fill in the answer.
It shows 5:38
